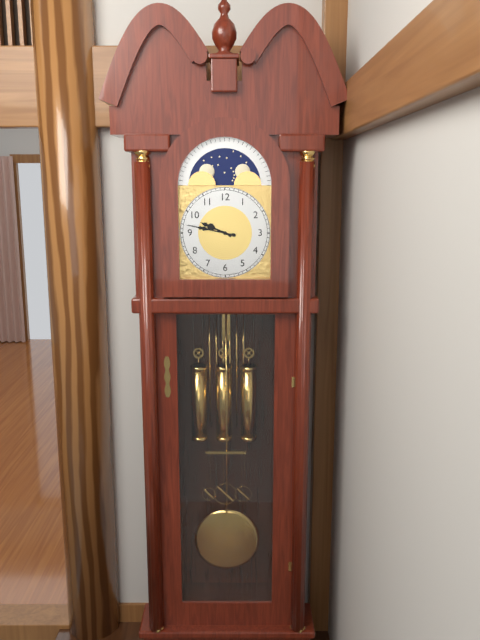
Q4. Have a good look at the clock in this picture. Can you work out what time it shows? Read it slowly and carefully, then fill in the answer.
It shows 9:47
